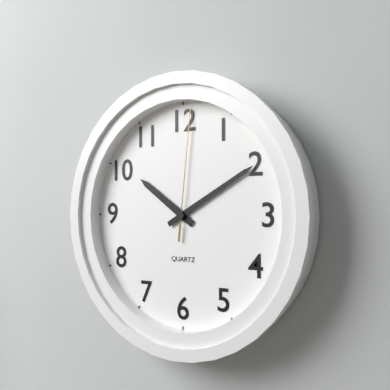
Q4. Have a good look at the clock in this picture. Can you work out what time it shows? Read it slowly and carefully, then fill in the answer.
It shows 10:10:01
